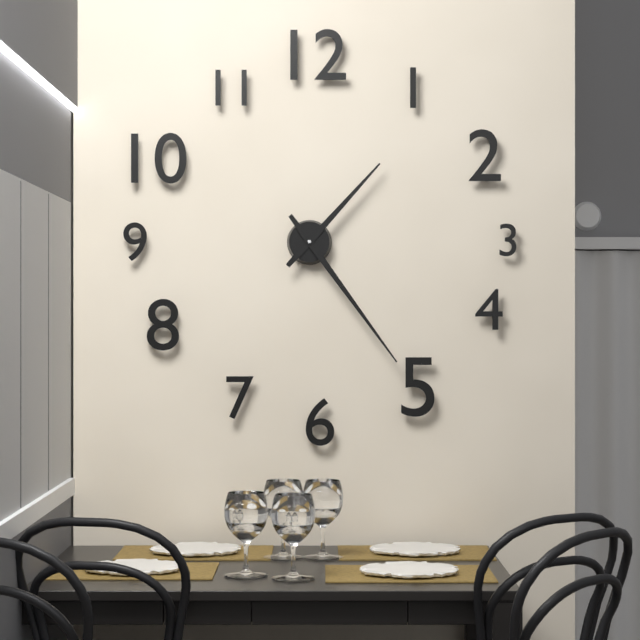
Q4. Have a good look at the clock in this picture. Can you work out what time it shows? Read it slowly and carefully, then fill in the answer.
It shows 1:24
